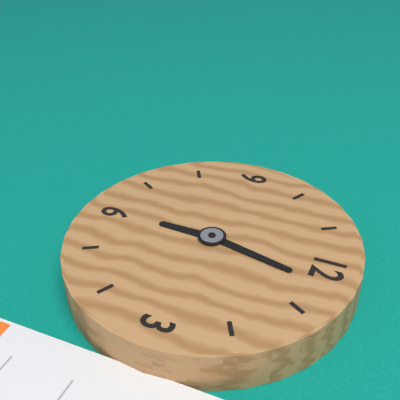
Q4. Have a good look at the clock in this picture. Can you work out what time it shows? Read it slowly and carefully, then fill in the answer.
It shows 6:02
